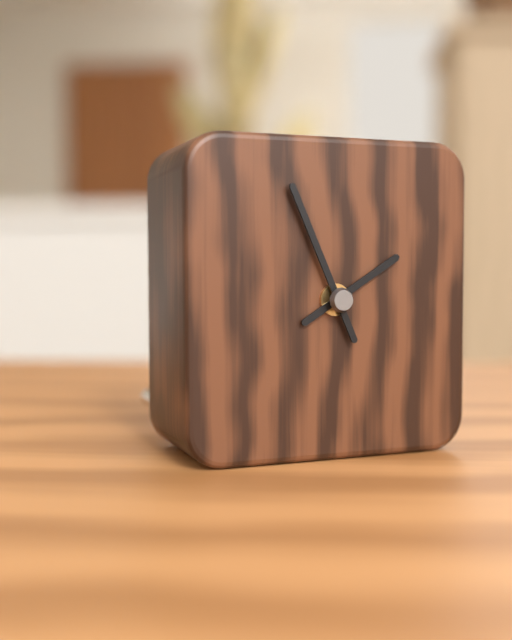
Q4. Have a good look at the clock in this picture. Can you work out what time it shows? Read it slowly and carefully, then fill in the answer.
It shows 1:56
